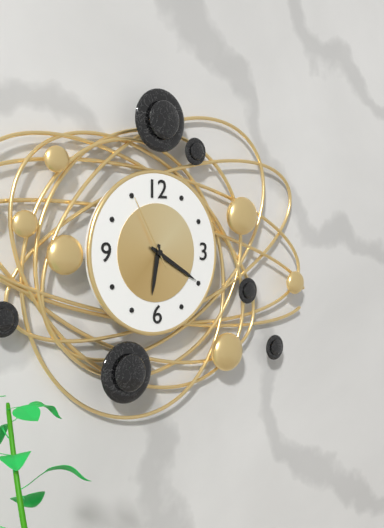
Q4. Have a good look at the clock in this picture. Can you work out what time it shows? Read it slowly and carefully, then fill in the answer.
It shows 6:20:55
